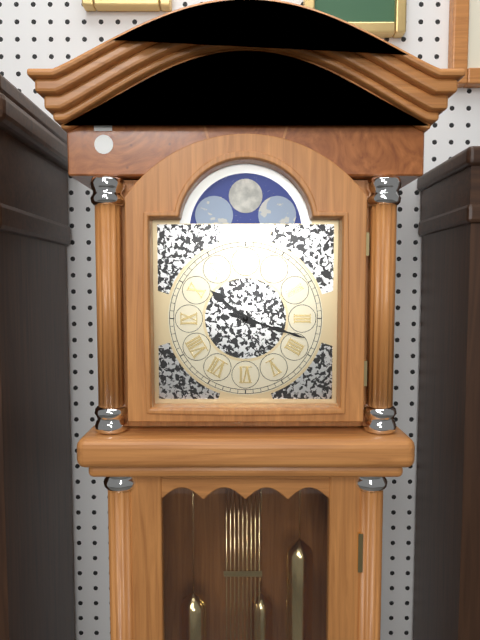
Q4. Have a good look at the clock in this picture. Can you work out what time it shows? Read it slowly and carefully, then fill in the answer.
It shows 10:18
